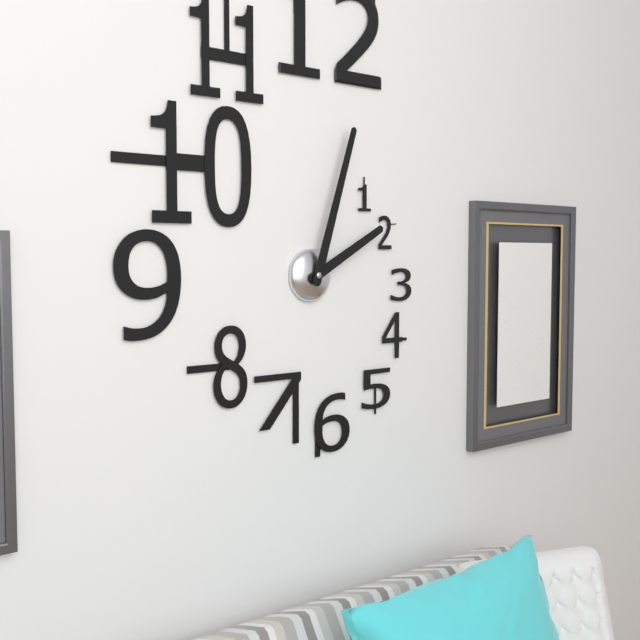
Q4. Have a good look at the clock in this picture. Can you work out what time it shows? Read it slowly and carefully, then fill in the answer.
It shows 2:03
